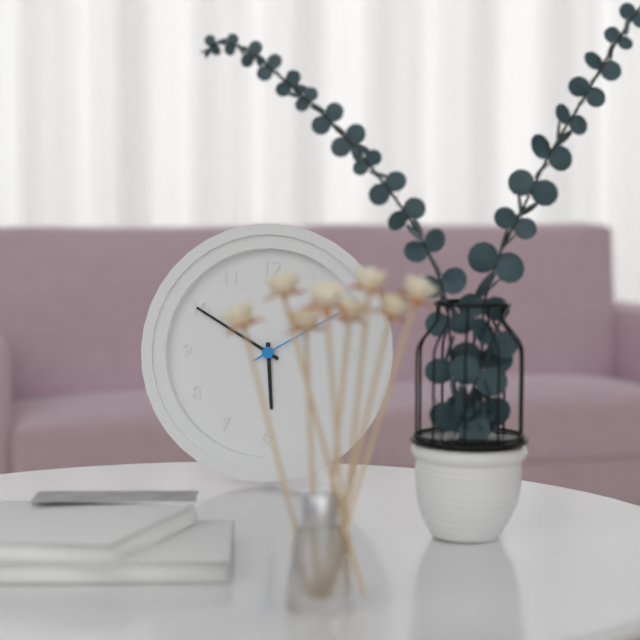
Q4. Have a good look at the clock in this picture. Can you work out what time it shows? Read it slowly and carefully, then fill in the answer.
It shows 5:50
